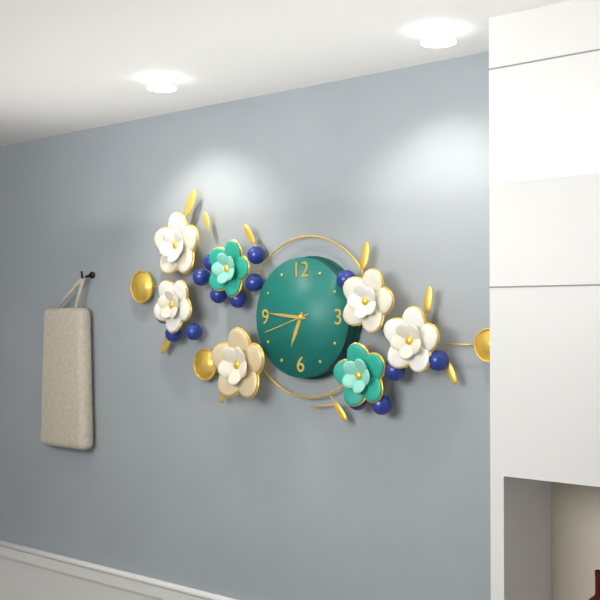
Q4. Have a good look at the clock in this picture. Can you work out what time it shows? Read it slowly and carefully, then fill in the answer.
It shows 6:46
